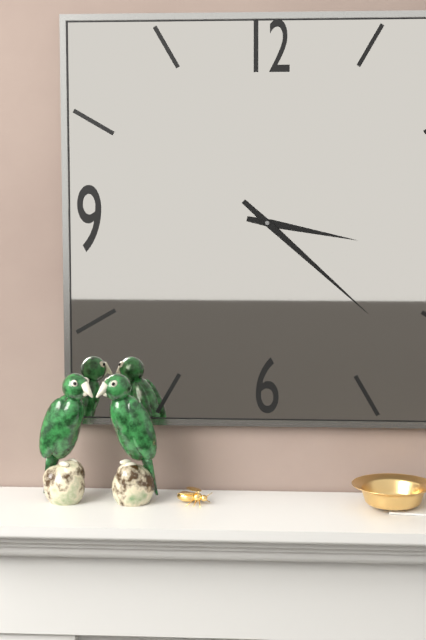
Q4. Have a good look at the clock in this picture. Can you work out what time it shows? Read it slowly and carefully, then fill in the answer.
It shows 3:22
